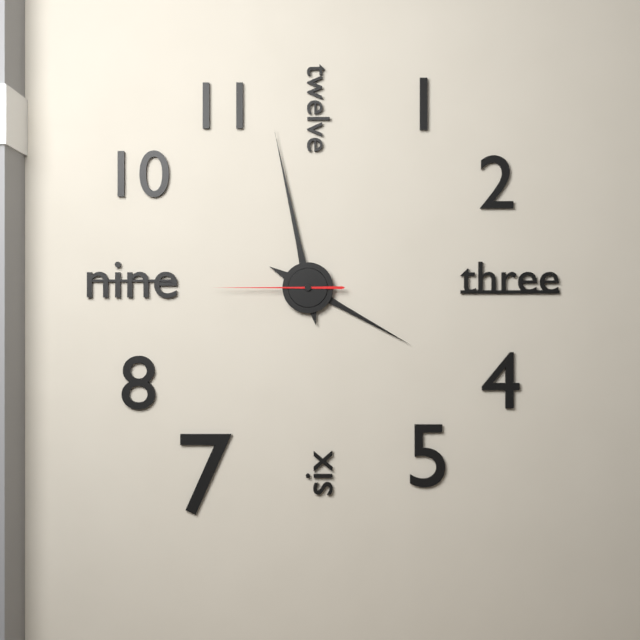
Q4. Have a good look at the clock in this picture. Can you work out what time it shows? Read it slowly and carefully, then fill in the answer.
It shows 3:58:45
